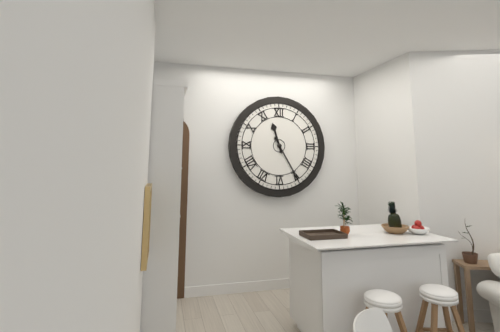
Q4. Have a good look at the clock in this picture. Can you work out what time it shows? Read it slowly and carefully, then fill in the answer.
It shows 11:25
